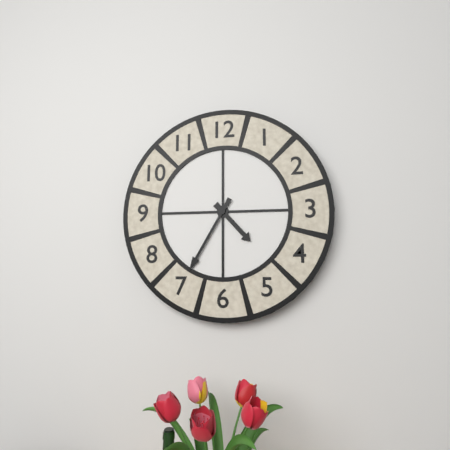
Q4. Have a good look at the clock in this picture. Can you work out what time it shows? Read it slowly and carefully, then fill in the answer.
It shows 4:35
